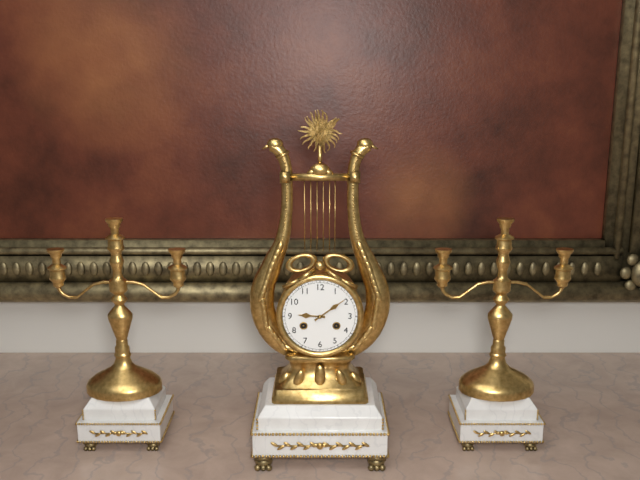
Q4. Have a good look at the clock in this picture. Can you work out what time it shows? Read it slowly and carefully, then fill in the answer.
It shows 9:09
